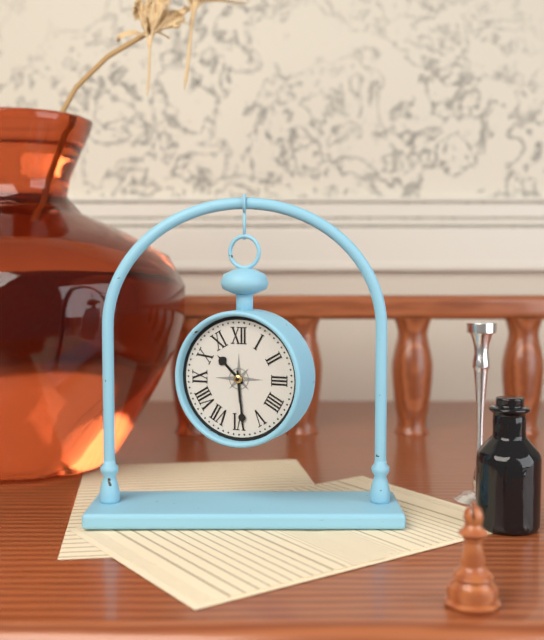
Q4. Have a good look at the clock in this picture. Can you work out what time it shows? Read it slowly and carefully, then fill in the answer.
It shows 10:29
